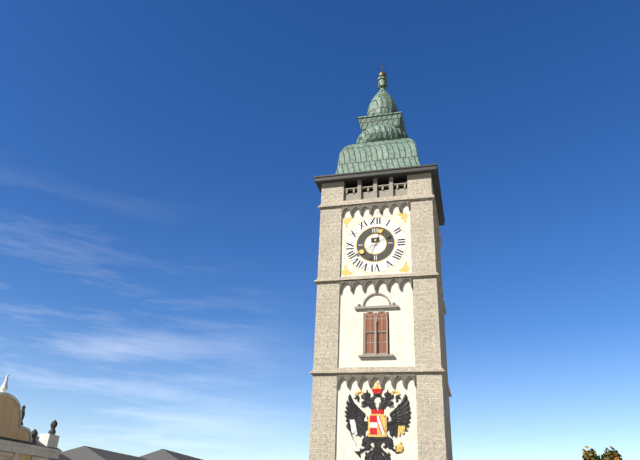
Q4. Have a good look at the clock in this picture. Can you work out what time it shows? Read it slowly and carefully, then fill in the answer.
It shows 12:40
